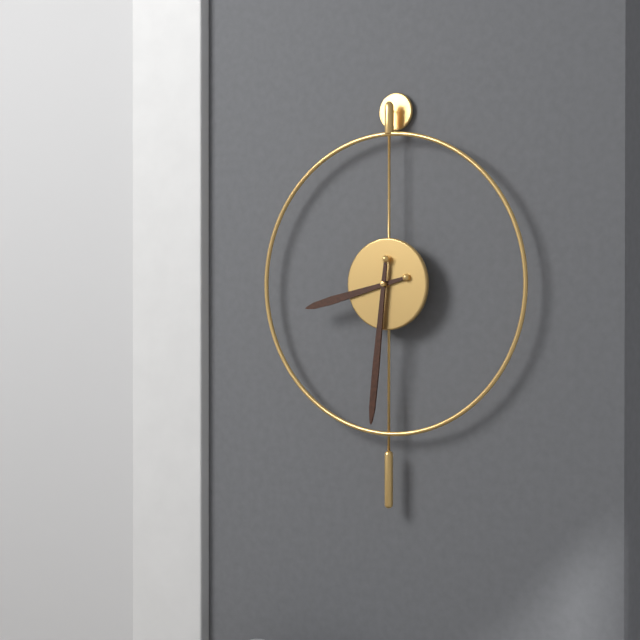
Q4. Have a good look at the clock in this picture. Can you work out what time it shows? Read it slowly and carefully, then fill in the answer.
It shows 8:31
